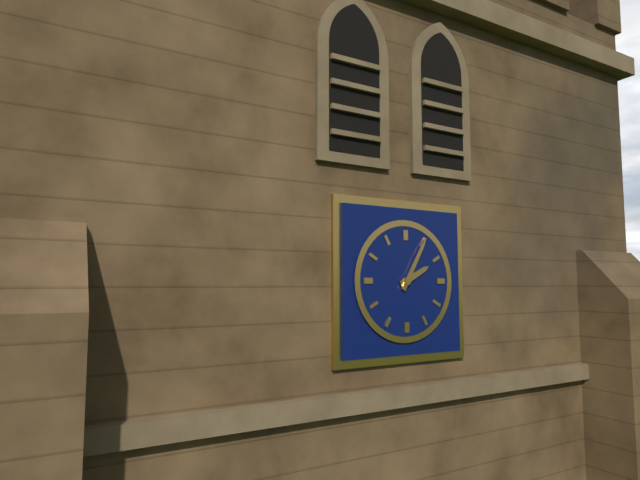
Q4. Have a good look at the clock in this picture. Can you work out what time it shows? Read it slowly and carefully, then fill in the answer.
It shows 2:05
